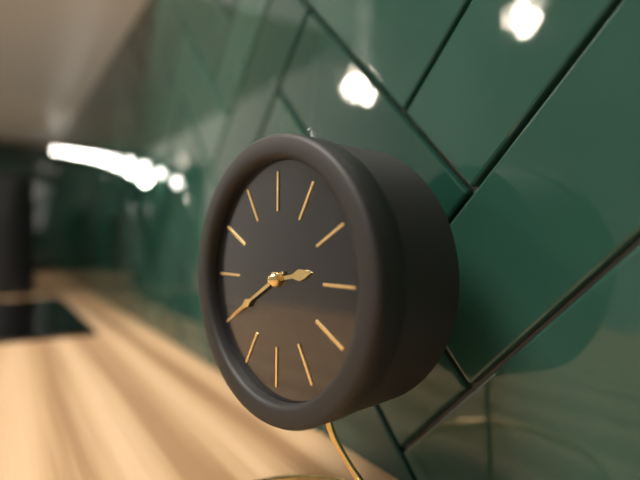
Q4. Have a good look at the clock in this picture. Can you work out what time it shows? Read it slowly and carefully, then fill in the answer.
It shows 2:40
